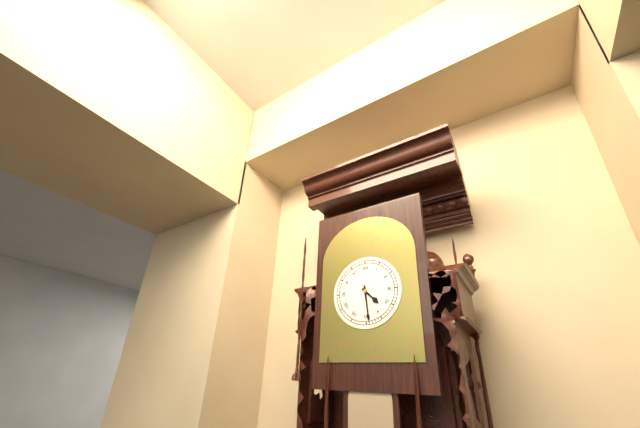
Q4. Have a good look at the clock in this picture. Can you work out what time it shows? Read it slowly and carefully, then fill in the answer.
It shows 4:29
